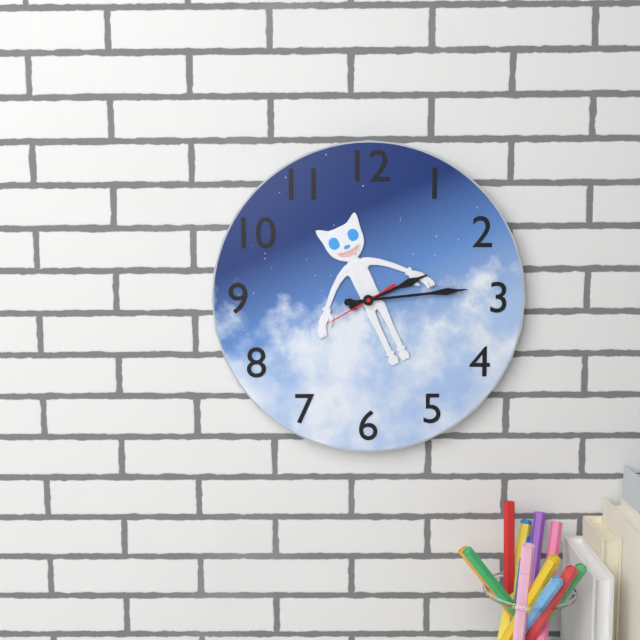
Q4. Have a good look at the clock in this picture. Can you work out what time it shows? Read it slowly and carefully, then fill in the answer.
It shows 2:14:40
